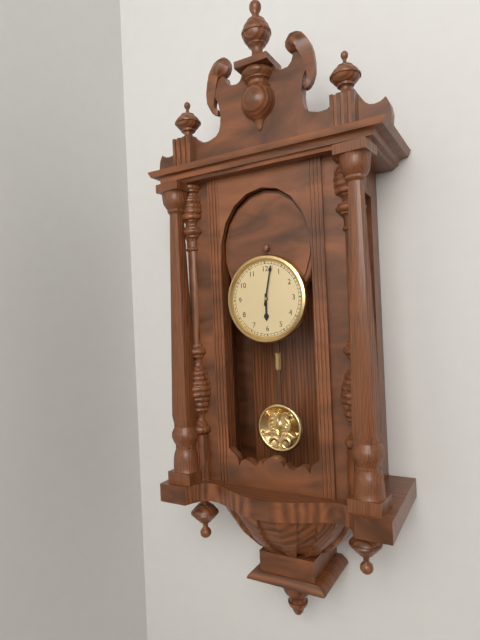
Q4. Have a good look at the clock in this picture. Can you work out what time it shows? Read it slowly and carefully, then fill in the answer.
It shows 6:02
